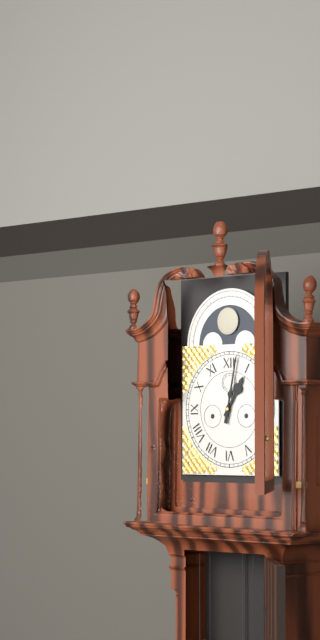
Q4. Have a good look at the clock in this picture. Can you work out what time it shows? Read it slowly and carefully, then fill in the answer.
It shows 1:02
